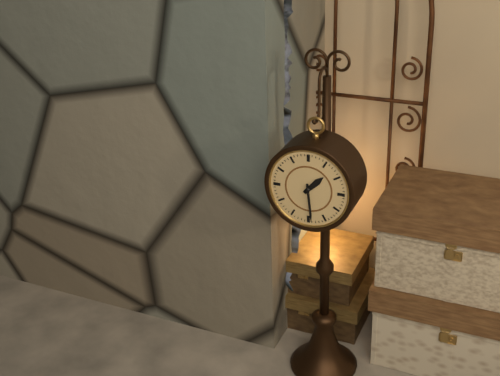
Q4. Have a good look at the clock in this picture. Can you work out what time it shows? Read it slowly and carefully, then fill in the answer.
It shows 1:29
